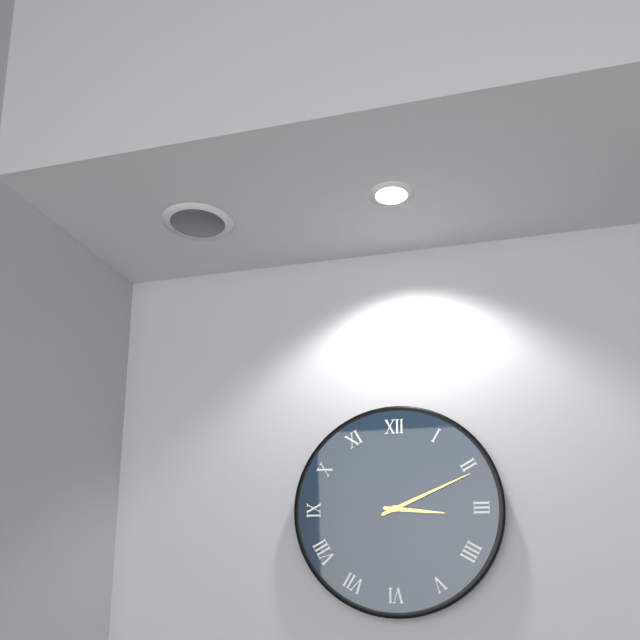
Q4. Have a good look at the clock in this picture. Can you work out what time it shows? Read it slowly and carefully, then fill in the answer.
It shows 3:11
